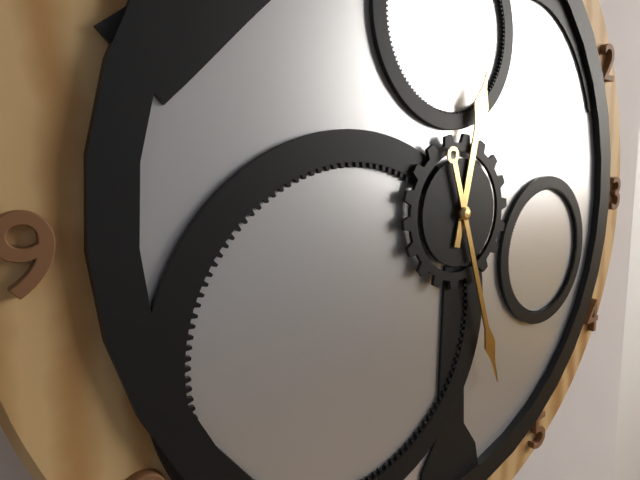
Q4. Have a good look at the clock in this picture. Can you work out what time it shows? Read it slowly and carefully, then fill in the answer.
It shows 12:27
